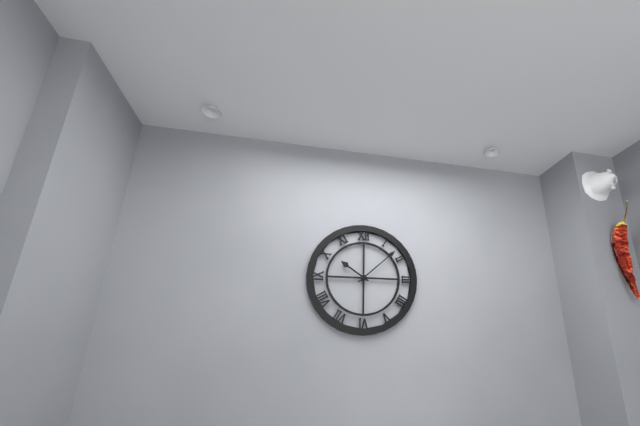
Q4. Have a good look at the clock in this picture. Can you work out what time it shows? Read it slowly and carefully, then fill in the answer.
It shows 10:08
